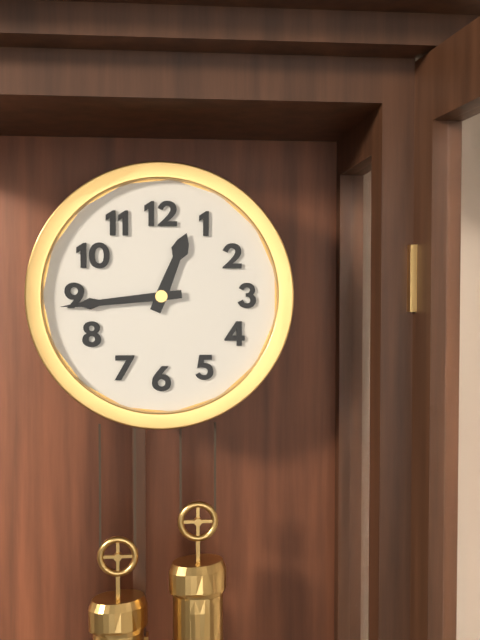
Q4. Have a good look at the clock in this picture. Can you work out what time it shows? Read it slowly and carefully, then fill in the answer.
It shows 12:44
